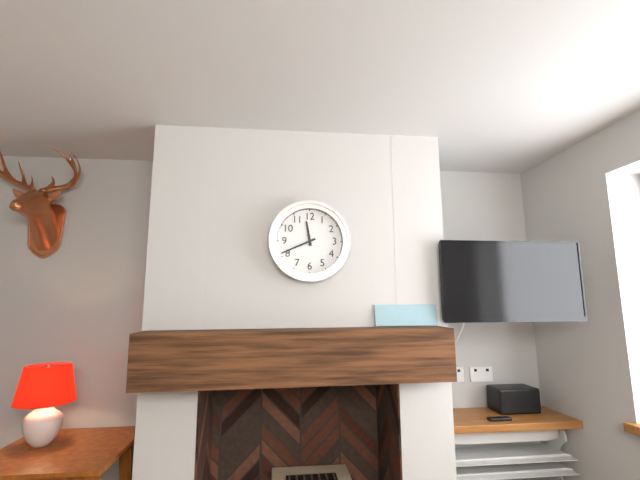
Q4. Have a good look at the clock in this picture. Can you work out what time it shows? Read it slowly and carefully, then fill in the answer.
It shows 11:41
